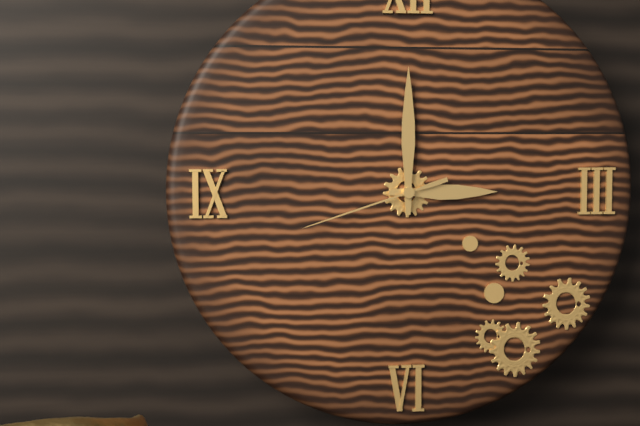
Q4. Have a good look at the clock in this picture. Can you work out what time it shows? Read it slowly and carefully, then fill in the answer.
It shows 3:00:42
